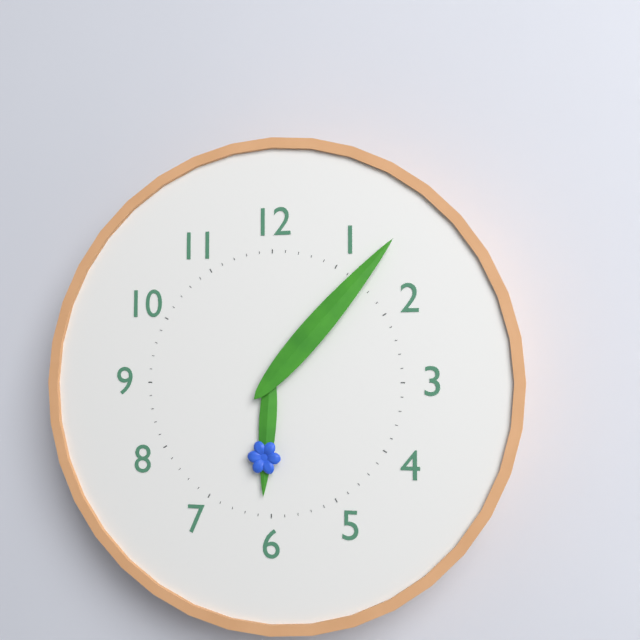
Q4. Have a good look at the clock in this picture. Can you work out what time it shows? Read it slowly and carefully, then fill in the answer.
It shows 6:07
